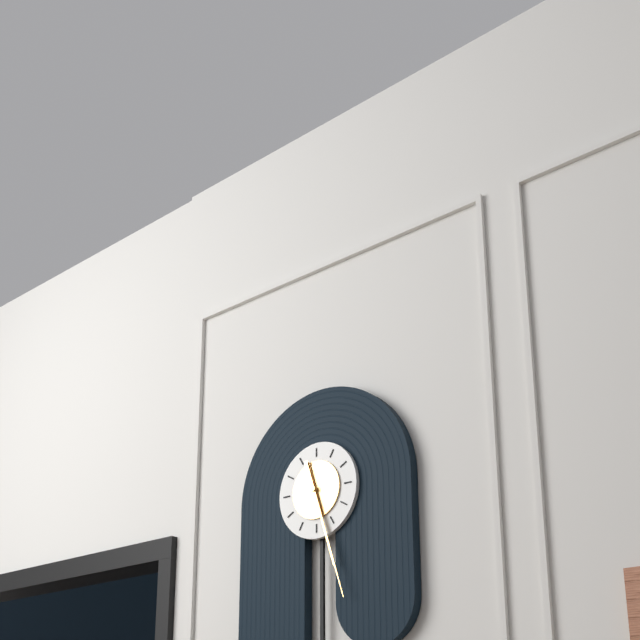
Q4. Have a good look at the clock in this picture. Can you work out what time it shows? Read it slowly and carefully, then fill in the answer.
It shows 5:27
